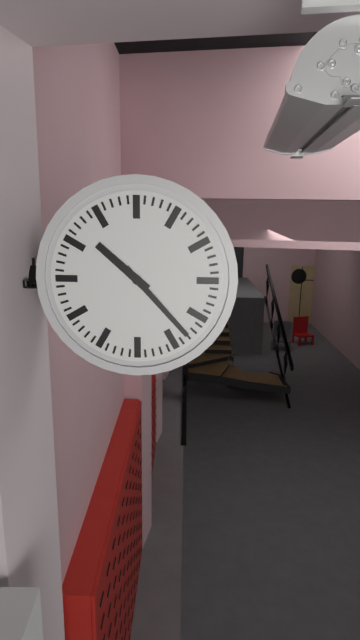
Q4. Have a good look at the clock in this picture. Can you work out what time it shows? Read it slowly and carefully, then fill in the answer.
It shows 10:23
